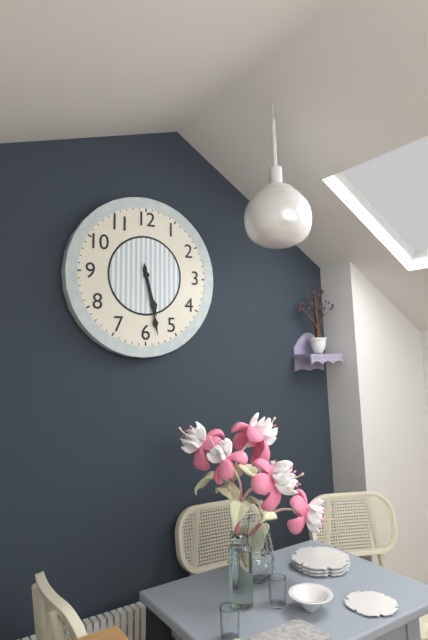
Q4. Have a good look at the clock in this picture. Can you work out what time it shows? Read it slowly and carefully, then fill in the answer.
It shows 5:28
